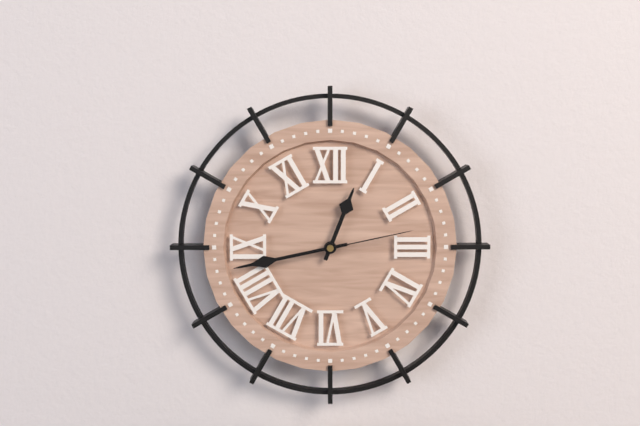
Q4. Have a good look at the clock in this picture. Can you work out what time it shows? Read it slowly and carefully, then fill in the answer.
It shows 12:43:13
